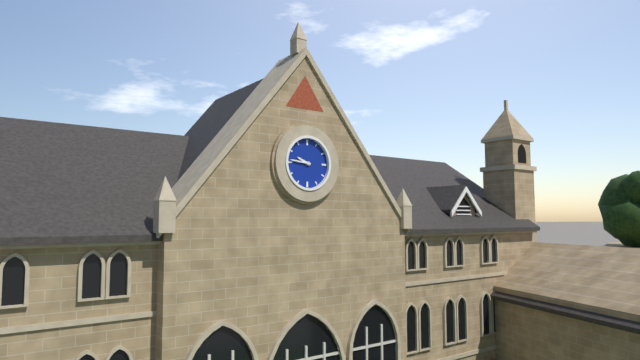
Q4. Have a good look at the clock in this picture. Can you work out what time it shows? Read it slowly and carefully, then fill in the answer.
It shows 9:46
